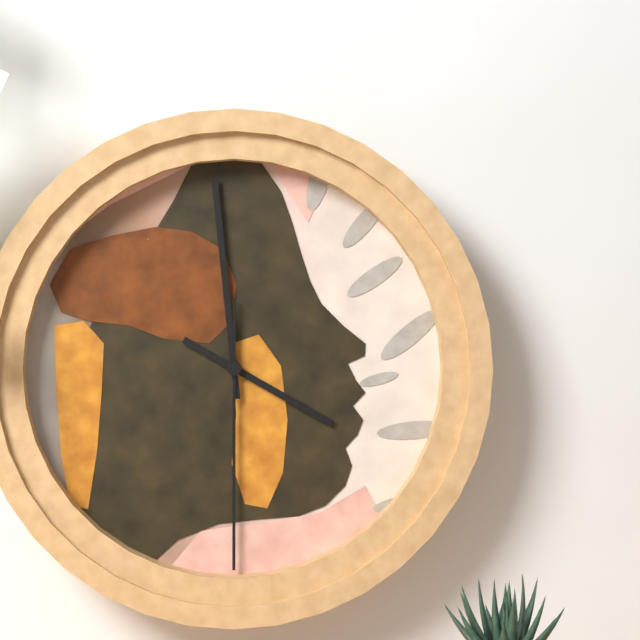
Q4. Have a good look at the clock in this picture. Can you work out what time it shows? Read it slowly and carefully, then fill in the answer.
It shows 3:59:30
